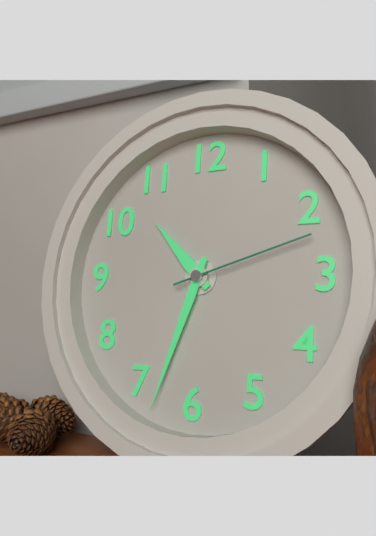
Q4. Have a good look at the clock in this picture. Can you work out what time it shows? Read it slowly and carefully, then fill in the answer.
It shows 10:33:12
